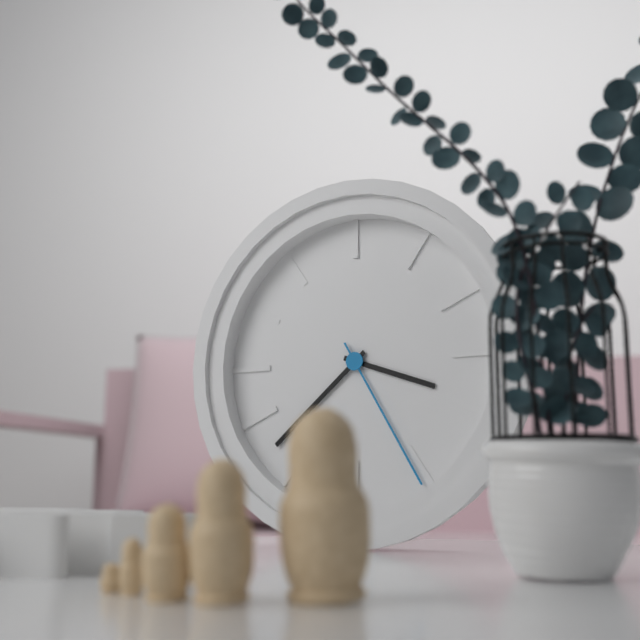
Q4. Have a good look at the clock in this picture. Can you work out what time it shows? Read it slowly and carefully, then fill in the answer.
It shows 3:38:25
